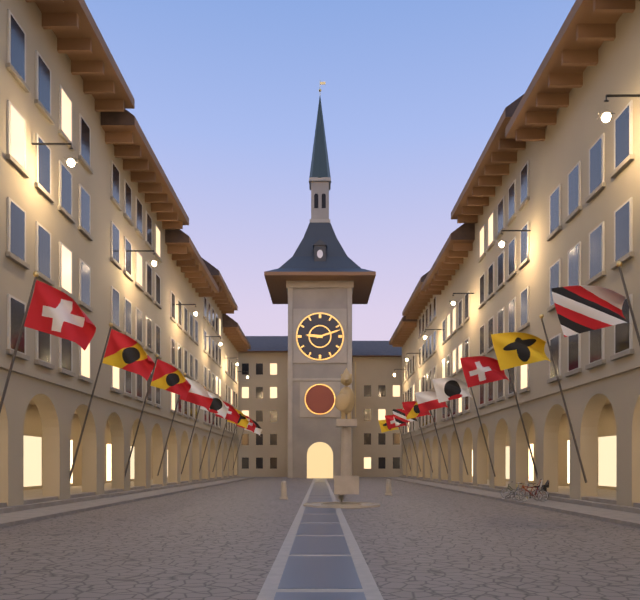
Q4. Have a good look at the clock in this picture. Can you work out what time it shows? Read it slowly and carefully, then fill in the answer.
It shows 9:12
